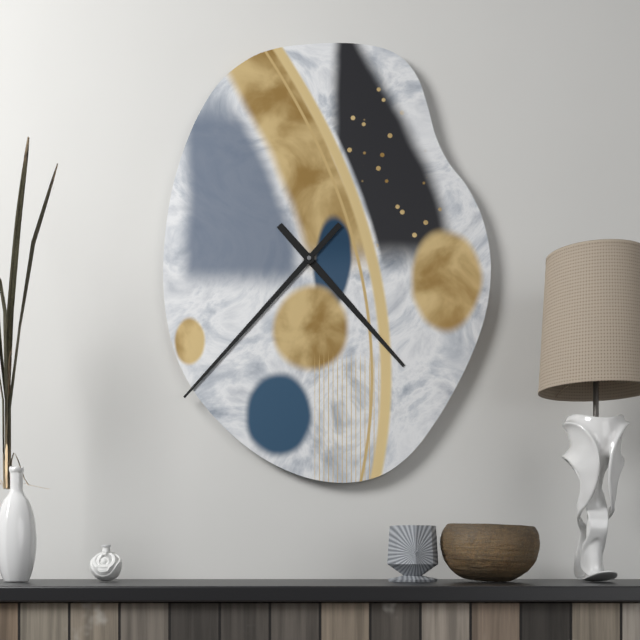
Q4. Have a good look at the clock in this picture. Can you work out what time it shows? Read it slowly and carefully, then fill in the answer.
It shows 4:37
